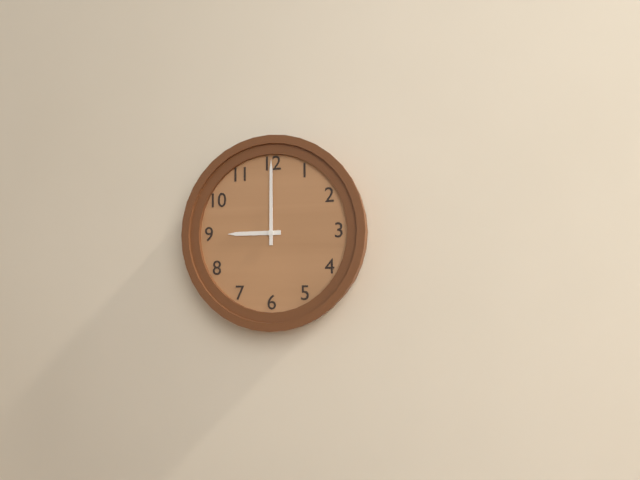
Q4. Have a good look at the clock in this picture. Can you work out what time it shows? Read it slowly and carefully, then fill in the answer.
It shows 9:00
